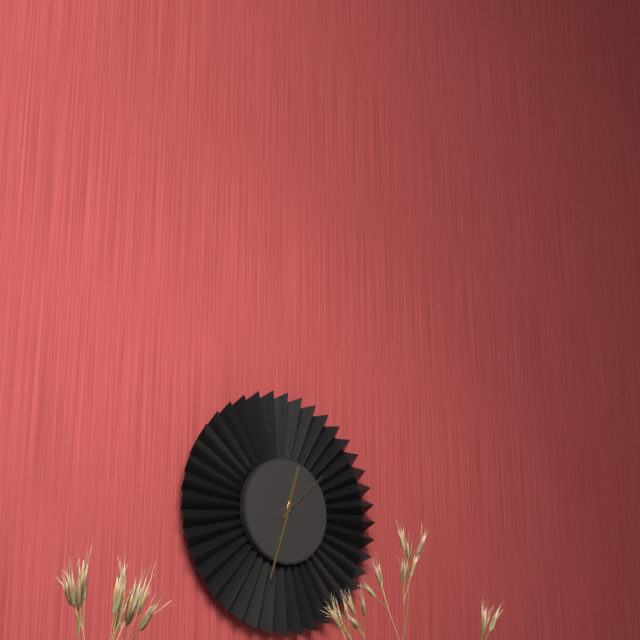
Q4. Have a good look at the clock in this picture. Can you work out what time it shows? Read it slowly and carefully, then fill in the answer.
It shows 12:33:08
